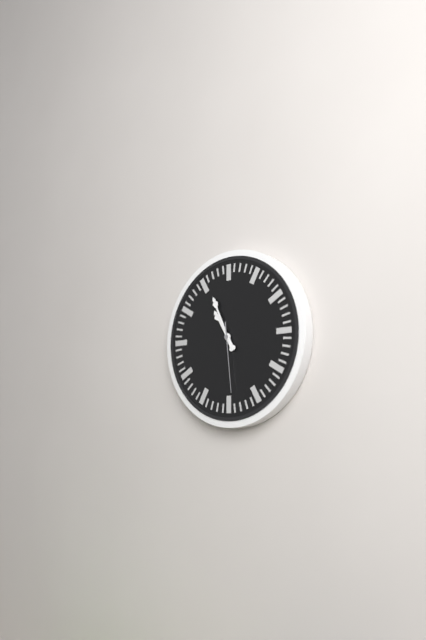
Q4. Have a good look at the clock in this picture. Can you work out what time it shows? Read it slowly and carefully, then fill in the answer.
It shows 10:56:29
